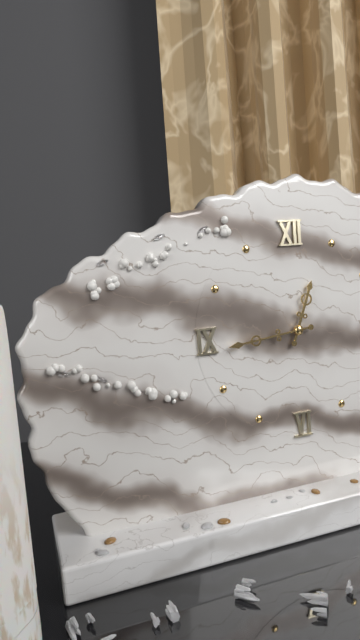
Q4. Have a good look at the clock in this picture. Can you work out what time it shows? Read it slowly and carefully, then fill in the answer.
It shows 12:44
